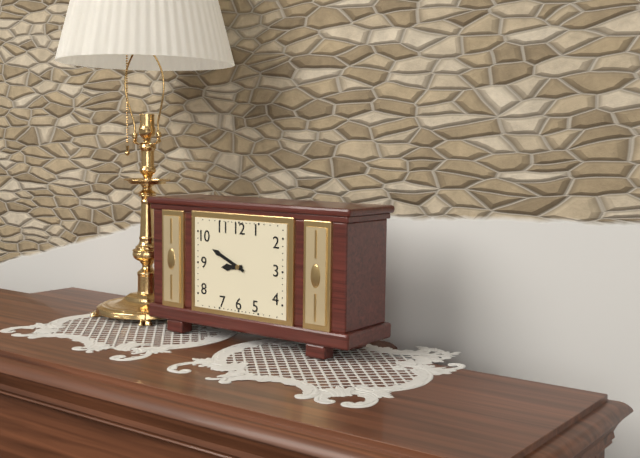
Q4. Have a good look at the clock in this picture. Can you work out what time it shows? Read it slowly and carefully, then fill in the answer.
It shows 8:49
